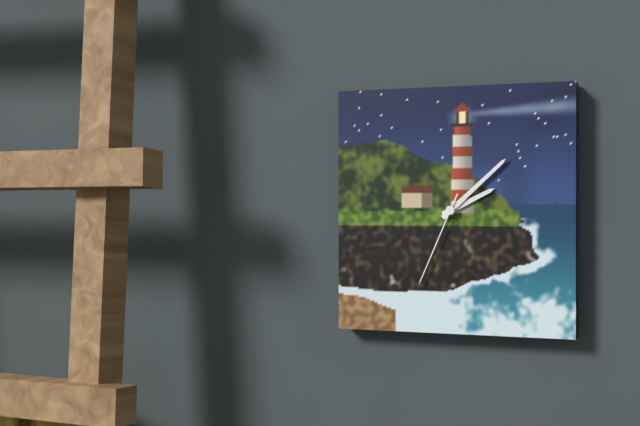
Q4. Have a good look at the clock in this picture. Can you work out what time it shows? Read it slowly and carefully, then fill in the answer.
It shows 2:08:34
